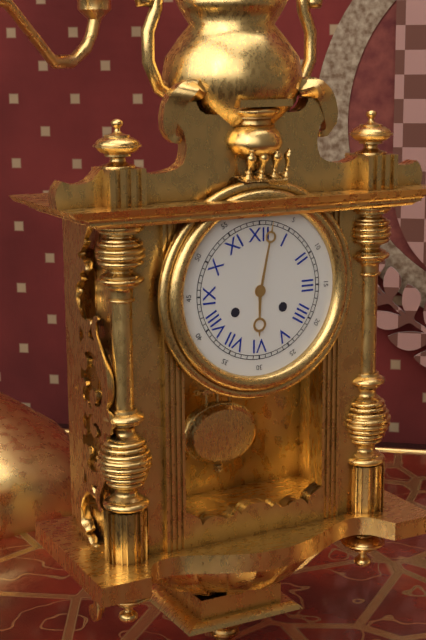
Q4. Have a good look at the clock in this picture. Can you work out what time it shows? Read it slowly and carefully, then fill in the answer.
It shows 6:02
